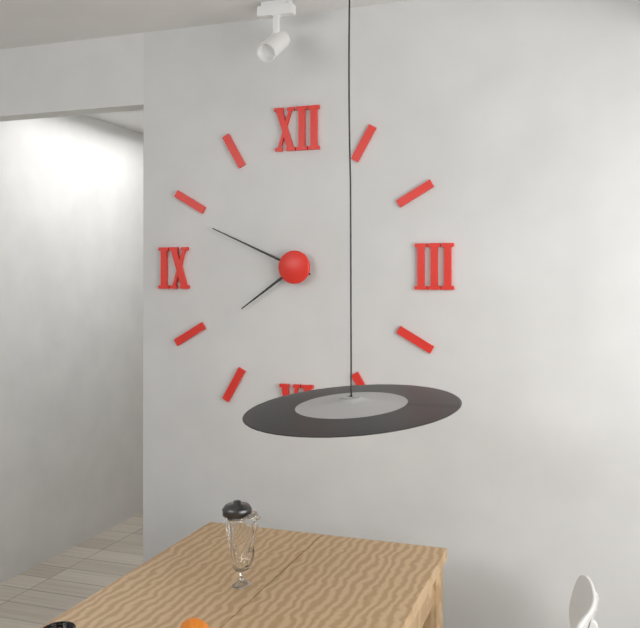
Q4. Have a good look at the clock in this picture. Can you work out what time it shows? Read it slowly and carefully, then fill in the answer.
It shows 7:49
